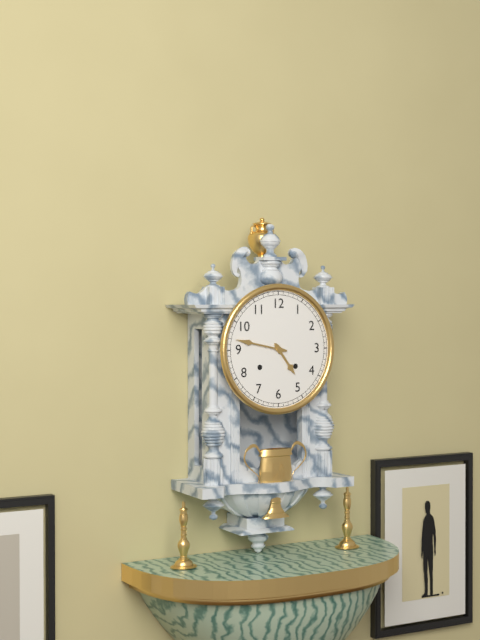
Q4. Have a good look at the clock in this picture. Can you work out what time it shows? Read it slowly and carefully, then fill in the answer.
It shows 4:47
